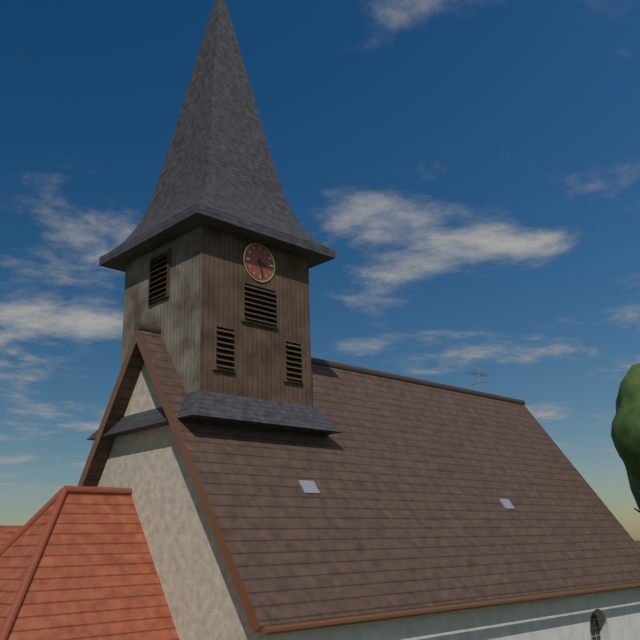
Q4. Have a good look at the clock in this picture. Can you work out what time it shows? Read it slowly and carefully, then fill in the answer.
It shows 3:28
